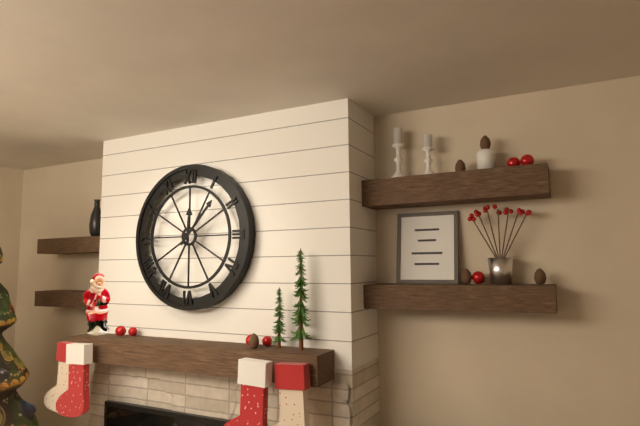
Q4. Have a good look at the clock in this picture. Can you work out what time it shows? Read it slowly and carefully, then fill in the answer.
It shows 12:07
